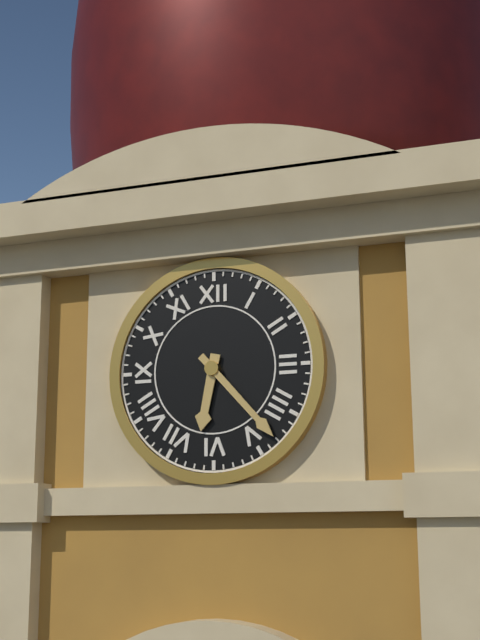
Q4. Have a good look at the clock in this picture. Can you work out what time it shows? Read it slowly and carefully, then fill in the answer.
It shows 6:23
